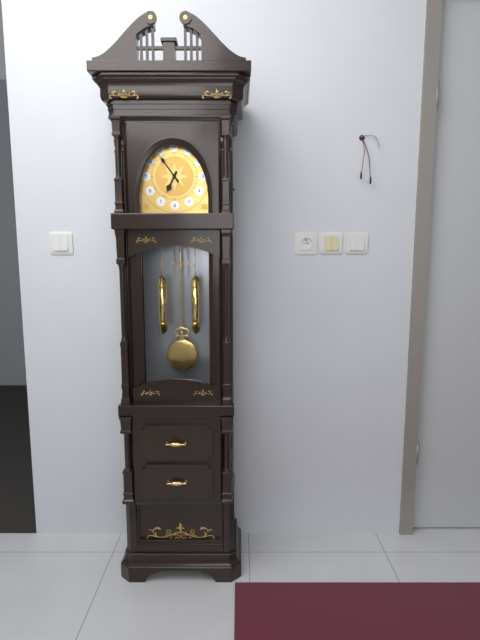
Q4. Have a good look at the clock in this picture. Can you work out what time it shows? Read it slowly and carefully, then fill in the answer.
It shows 6:54
